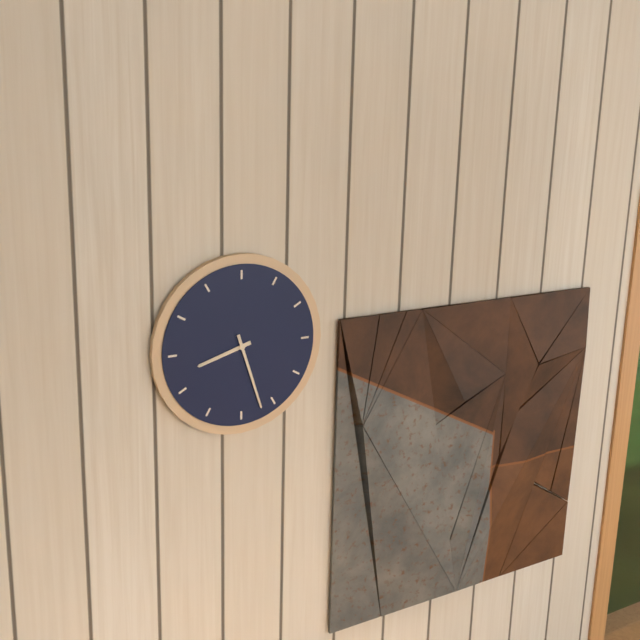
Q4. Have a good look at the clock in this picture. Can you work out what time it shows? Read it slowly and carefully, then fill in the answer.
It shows 8:27
